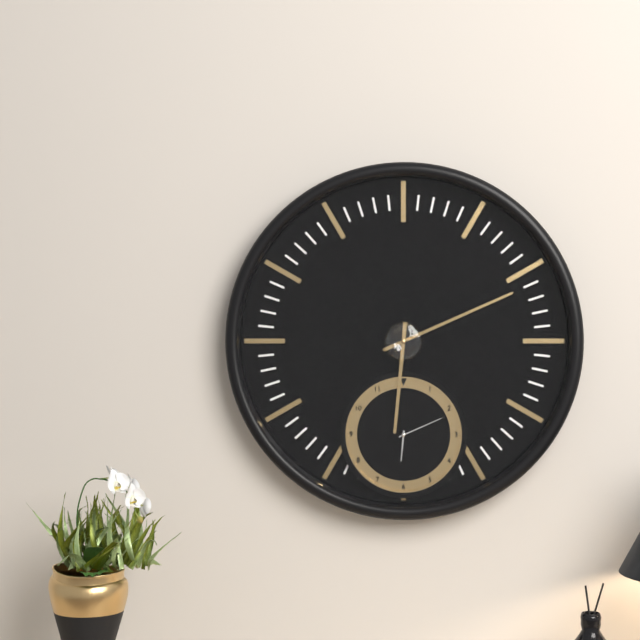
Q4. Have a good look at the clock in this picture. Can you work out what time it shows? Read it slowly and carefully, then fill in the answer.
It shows 6:11
